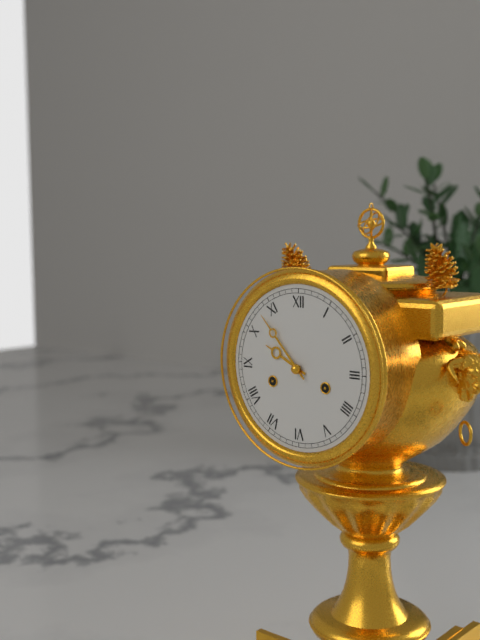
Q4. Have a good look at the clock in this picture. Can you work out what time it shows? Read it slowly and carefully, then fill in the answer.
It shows 9:53
